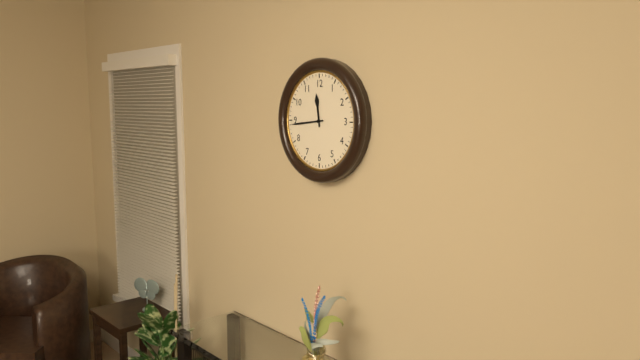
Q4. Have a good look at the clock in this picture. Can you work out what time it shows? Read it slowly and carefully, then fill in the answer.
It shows 11:44
